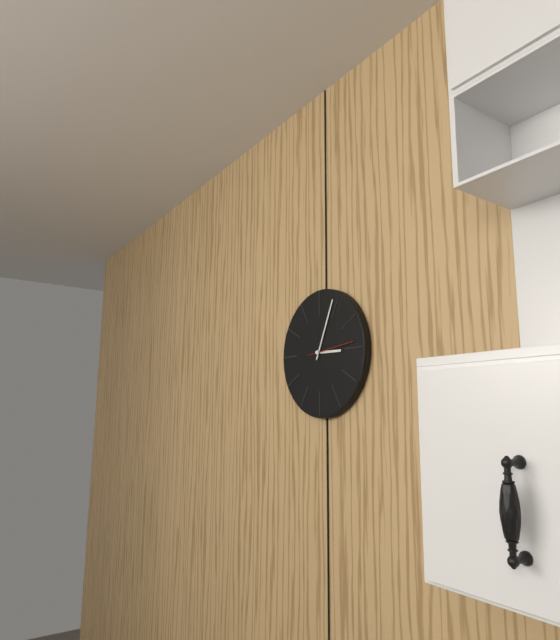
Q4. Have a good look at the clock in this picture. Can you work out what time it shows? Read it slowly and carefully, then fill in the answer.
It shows 3:04
